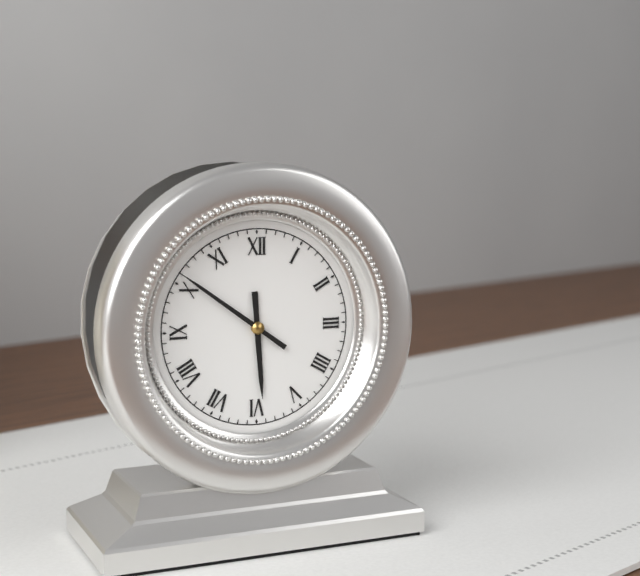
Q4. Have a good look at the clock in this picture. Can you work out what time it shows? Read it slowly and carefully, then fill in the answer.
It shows 5:51
